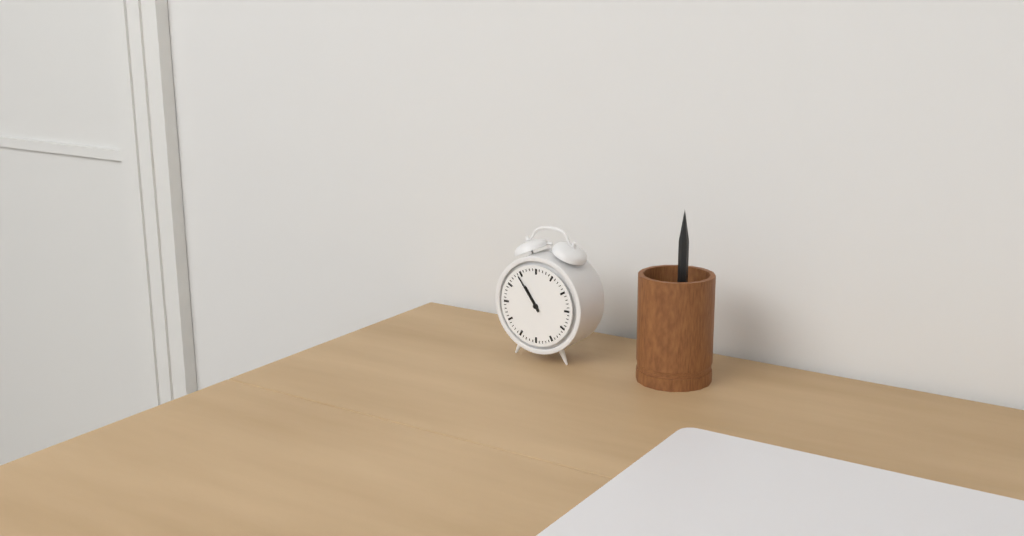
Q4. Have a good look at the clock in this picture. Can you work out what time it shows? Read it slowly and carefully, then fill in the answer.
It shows 10:54
